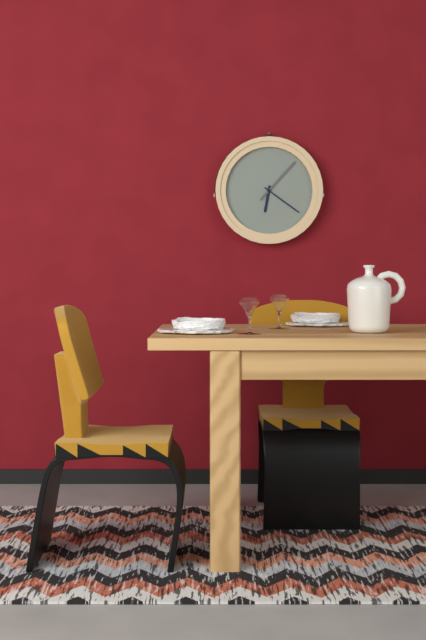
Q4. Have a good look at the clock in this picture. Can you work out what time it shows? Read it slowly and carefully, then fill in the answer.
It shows 6:21
